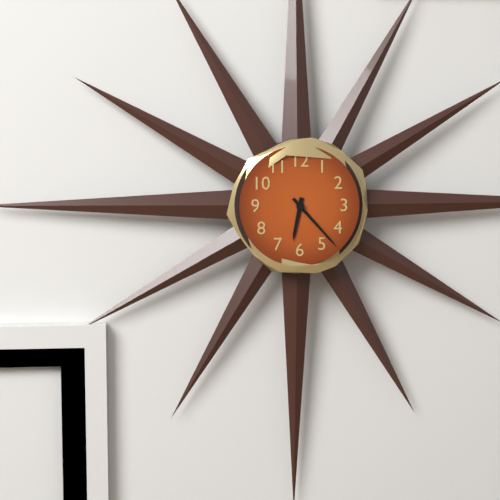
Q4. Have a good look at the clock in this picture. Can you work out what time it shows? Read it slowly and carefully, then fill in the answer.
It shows 6:23
